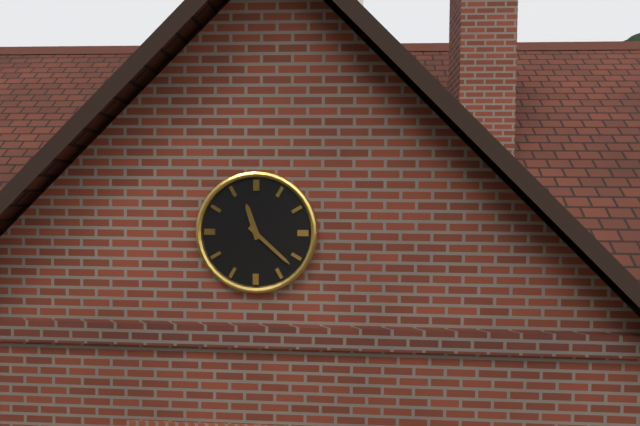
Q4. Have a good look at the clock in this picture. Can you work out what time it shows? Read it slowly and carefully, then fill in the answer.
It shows 11:22
